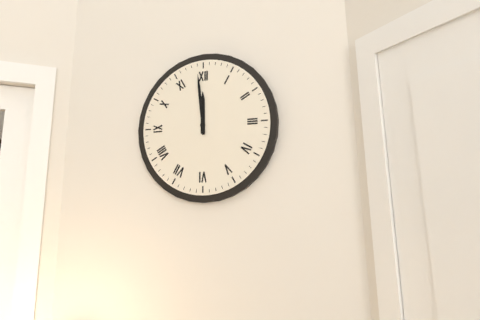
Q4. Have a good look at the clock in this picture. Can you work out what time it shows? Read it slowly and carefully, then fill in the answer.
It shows 11:59
